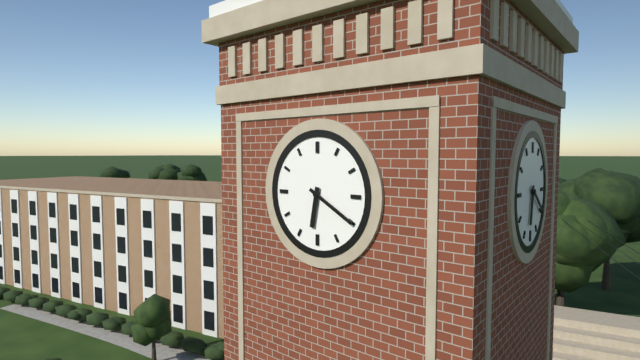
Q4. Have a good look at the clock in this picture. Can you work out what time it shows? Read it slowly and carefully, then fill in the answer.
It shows 6:20
